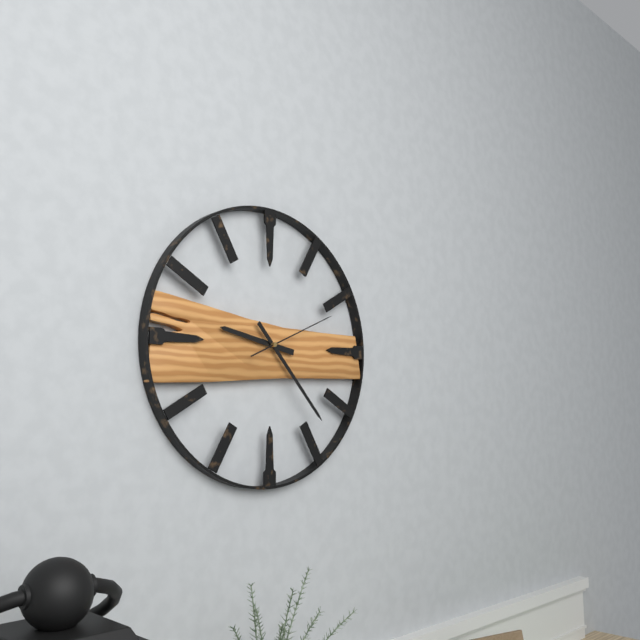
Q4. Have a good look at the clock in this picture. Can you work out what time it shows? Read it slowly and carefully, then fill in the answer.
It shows 9:23:11
